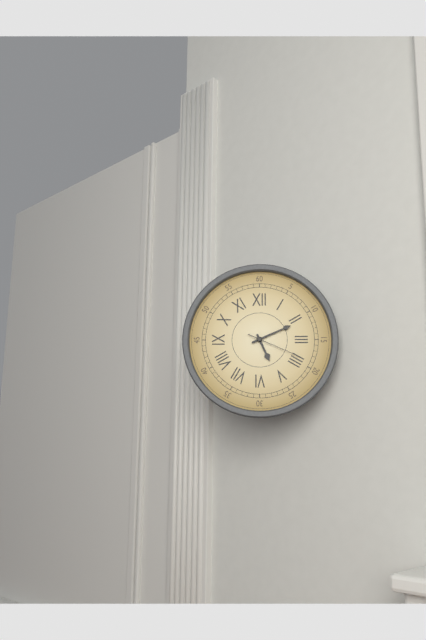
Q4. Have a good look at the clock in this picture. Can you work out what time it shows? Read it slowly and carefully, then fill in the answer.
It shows 5:11:19
